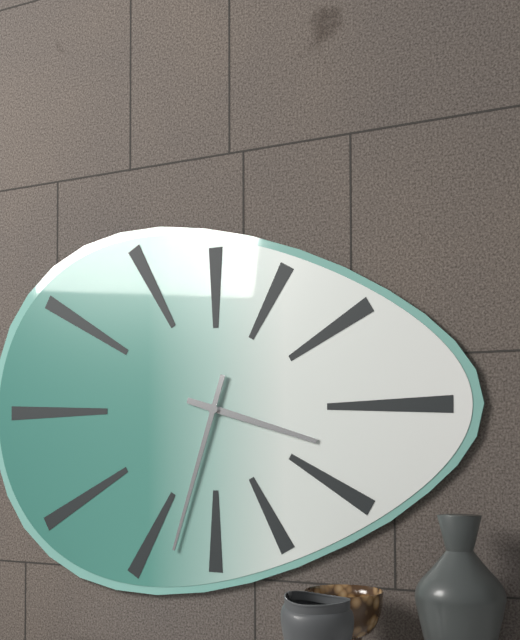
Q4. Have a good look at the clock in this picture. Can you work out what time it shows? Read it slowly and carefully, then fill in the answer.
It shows 3:33
